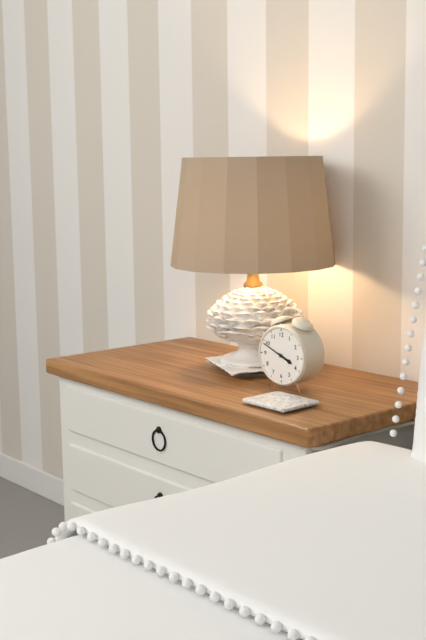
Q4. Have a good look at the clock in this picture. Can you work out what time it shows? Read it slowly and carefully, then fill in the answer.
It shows 3:49
